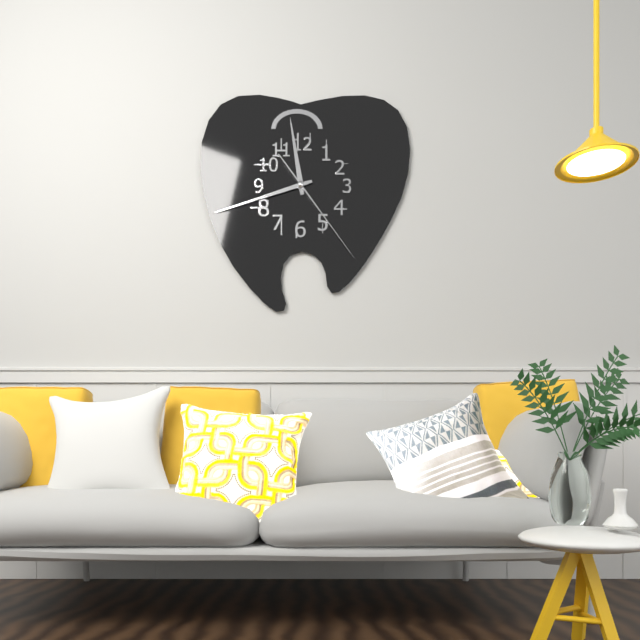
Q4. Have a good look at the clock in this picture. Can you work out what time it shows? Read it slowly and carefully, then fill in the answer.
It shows 11:42:24
